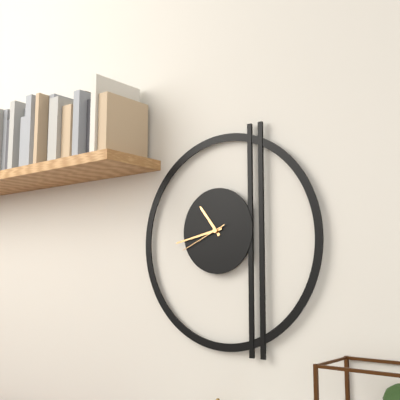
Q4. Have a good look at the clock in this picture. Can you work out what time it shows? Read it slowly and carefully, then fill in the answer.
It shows 10:43
